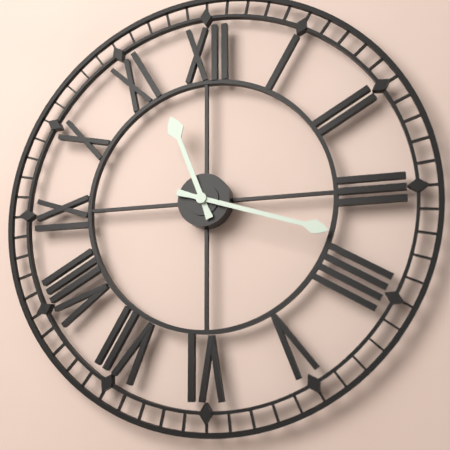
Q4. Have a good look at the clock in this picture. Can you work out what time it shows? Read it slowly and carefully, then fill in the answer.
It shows 11:18
